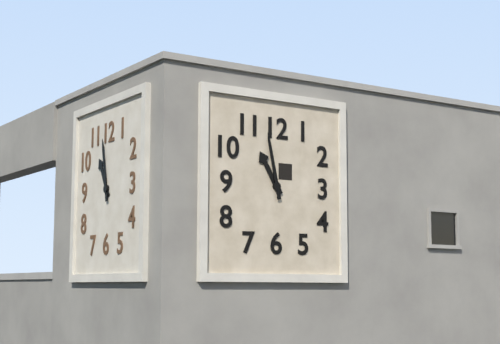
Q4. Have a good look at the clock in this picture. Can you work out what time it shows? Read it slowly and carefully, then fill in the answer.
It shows 10:58
